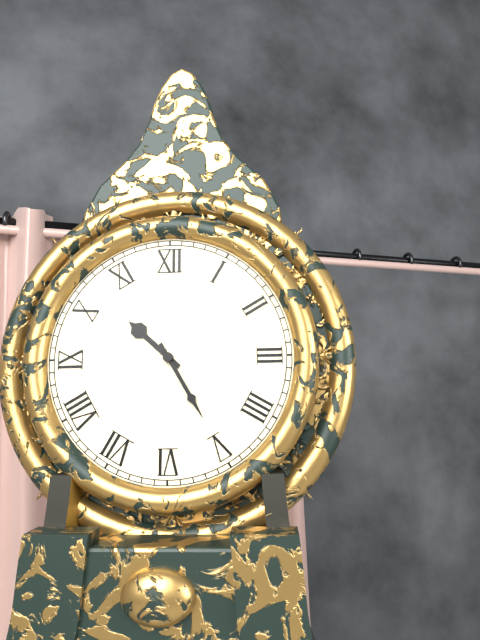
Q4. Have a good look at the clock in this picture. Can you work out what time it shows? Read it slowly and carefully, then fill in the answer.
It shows 10:25
